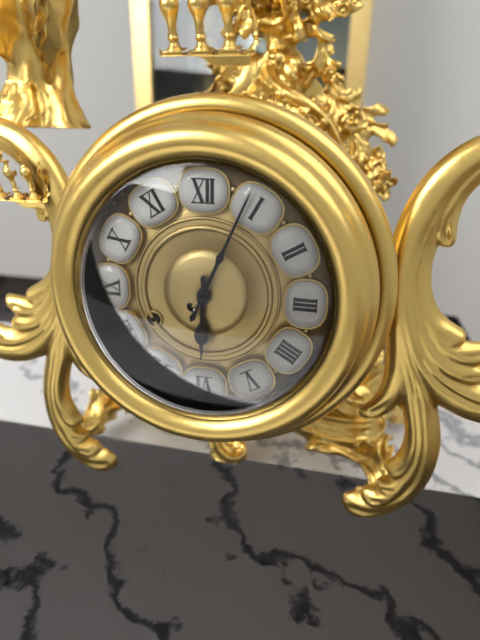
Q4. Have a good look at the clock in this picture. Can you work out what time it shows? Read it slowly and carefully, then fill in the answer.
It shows 6:04
